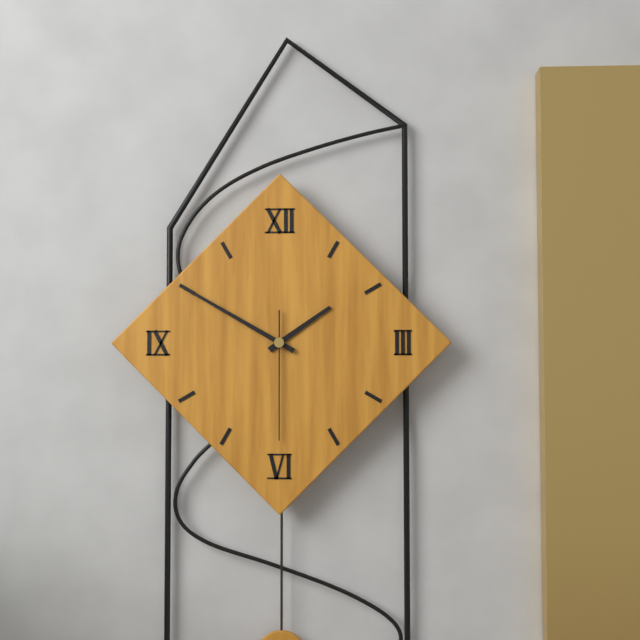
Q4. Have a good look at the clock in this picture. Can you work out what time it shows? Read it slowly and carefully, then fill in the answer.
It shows 1:50:30
